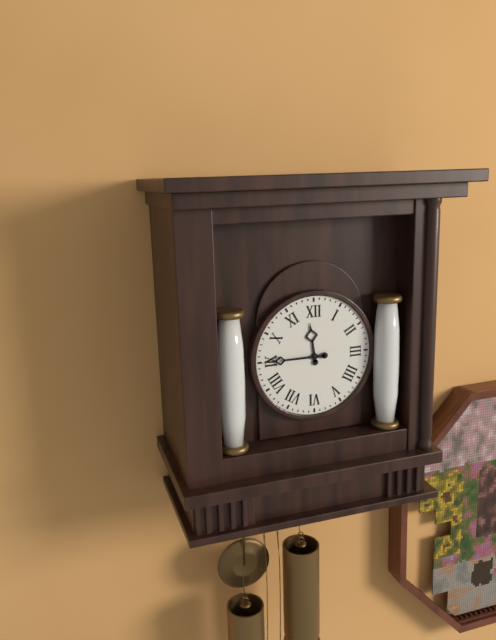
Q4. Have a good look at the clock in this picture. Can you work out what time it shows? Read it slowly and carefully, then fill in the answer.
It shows 11:45
